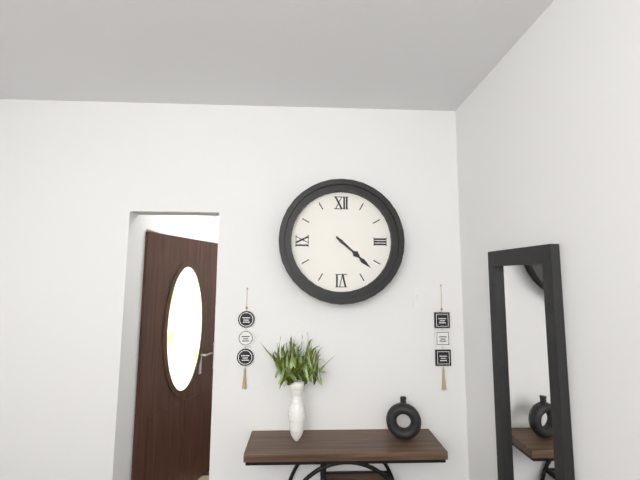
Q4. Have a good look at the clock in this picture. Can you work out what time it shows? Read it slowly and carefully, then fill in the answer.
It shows 4:22
